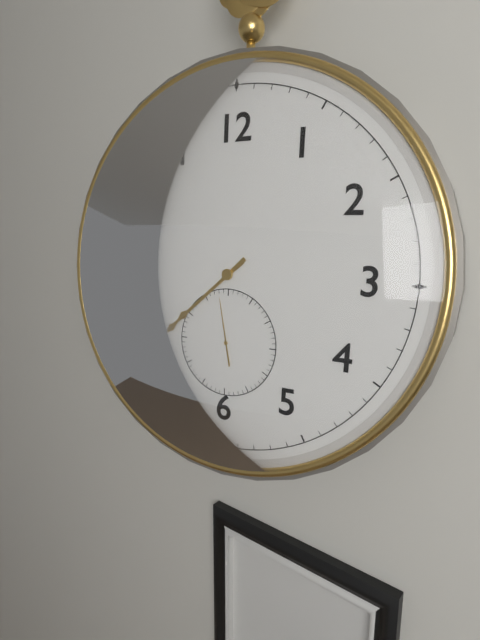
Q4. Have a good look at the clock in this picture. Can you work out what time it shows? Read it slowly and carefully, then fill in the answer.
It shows 7:38:58
